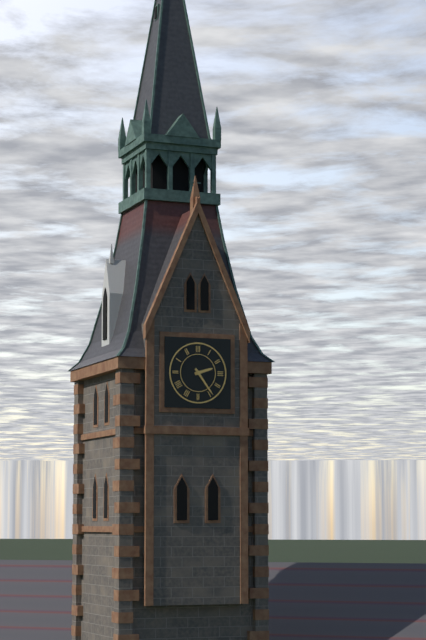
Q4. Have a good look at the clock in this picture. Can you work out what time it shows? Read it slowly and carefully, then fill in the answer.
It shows 2:24
